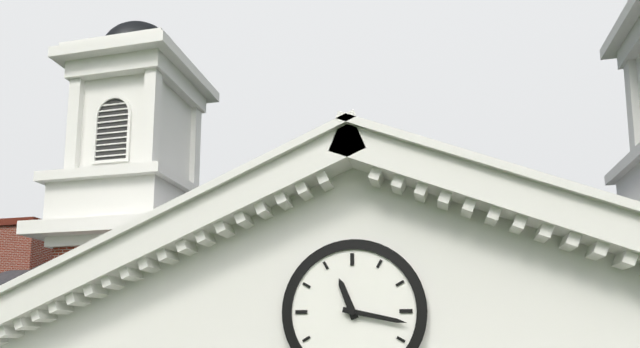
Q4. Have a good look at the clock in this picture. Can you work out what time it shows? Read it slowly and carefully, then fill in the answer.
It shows 11:17
